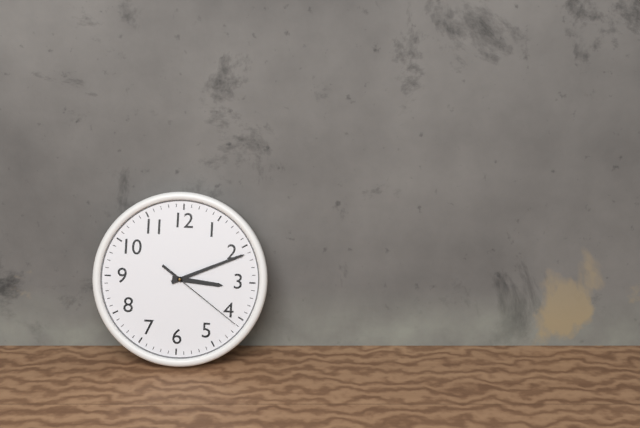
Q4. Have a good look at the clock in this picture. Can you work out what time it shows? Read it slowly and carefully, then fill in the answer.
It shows 3:11:21
